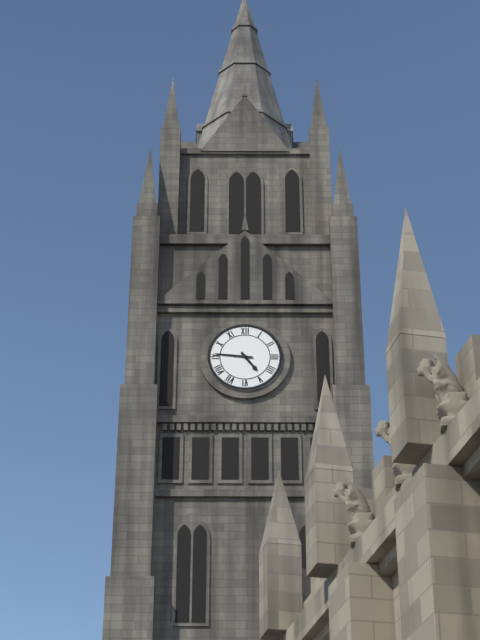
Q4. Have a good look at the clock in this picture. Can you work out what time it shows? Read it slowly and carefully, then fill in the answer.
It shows 4:46
